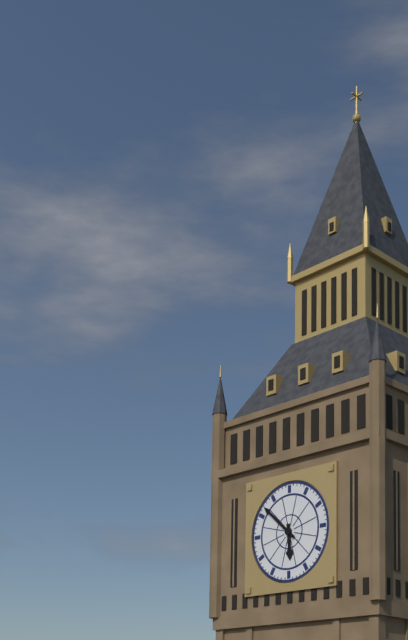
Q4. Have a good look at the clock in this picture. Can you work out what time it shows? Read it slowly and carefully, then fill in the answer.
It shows 5:52
